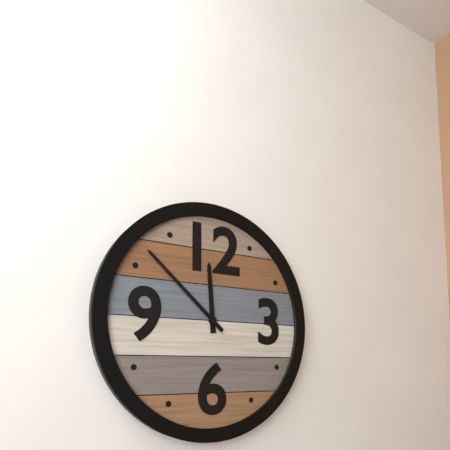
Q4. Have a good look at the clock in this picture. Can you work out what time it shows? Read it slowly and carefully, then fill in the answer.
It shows 11:52
